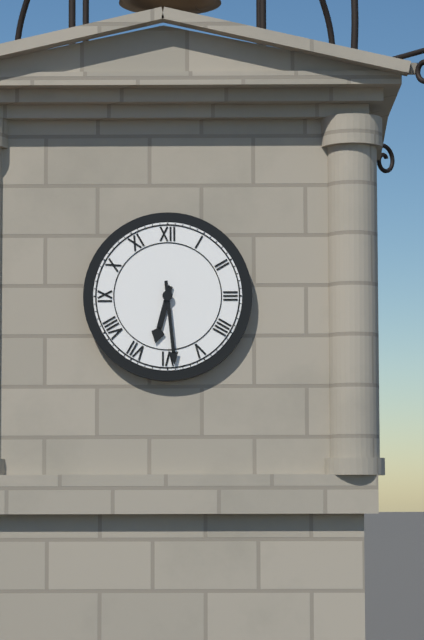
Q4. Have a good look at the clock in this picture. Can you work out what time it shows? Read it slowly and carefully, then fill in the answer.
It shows 6:29
